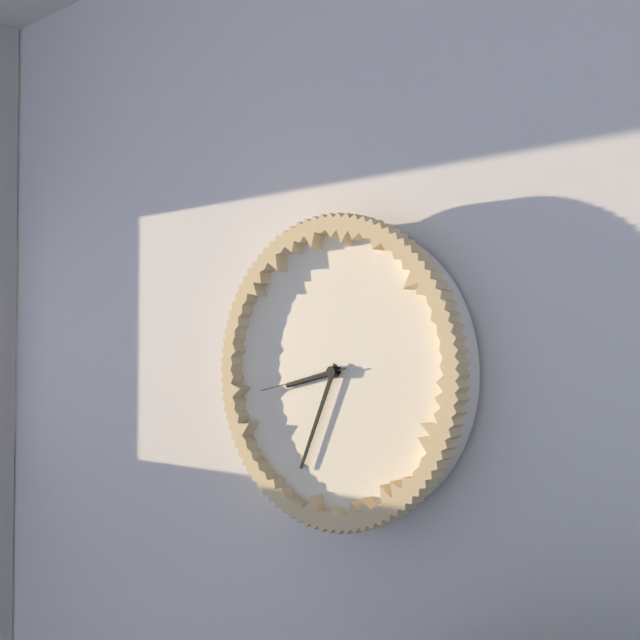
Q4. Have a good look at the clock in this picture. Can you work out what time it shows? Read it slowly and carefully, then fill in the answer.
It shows 8:34:43
